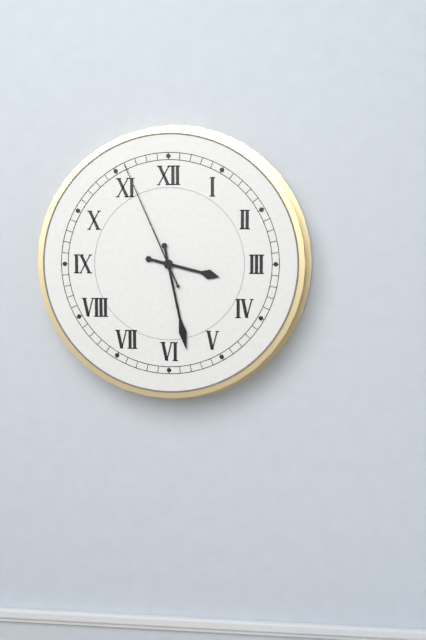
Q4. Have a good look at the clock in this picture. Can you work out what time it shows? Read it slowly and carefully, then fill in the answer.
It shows 3:28:56
